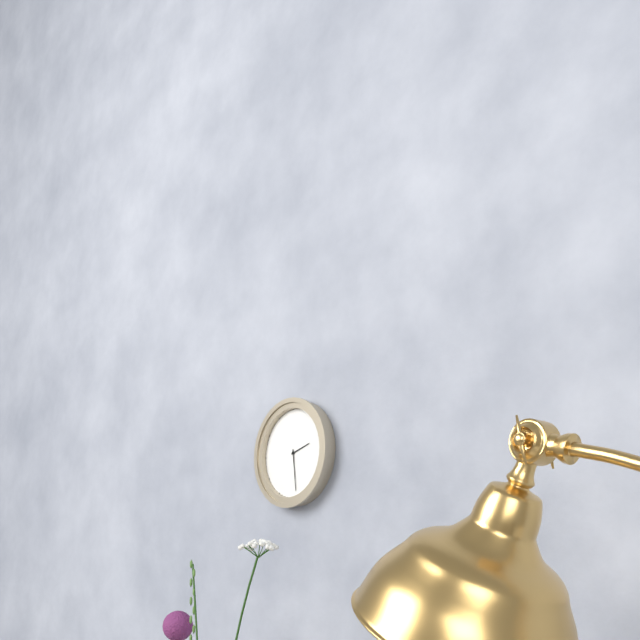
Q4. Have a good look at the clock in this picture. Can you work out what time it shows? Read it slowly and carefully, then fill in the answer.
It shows 2:29
